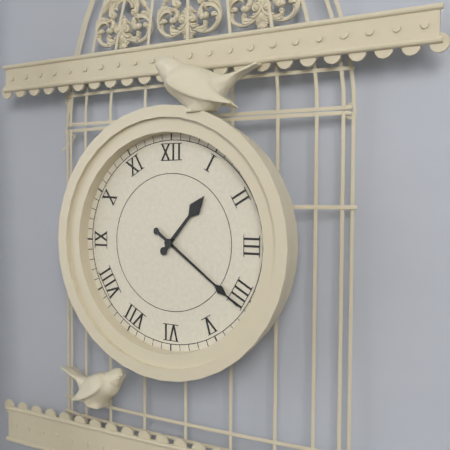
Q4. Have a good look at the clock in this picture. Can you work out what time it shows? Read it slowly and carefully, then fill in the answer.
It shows 1:21
